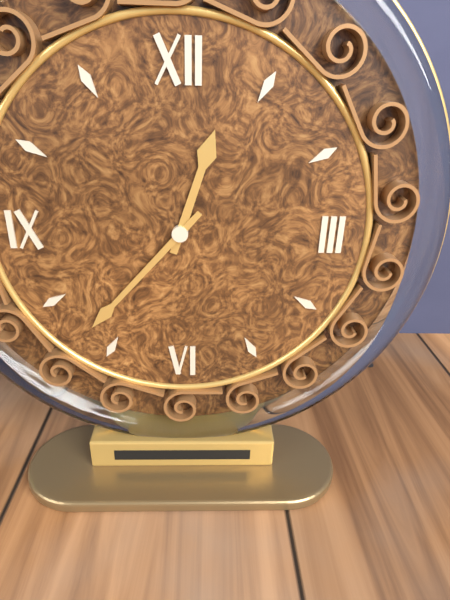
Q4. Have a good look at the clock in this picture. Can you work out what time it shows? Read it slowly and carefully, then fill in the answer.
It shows 12:37
